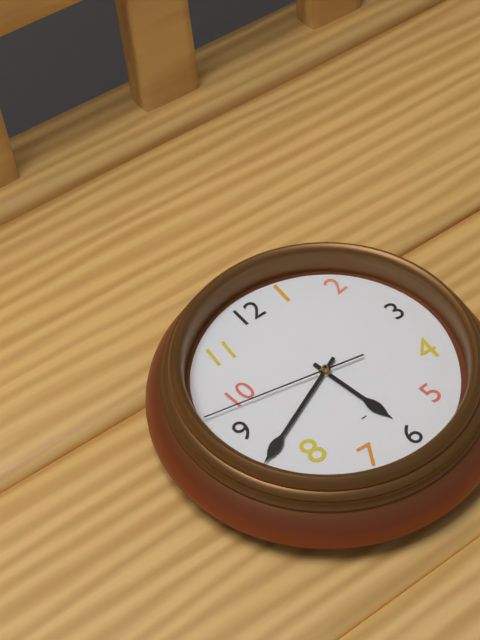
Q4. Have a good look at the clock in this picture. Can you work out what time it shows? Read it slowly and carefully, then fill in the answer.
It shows 5:41:47
